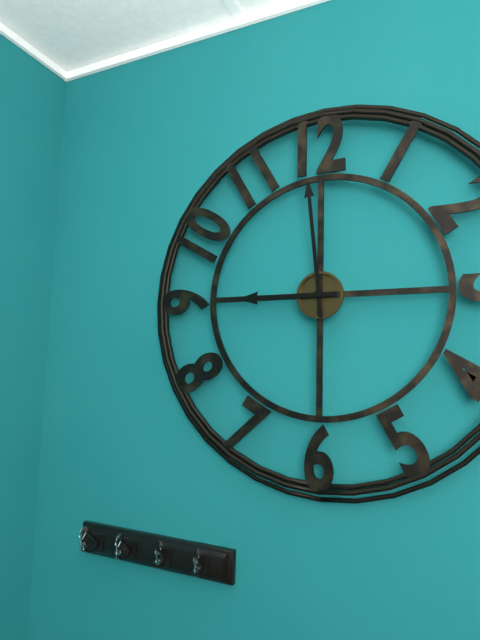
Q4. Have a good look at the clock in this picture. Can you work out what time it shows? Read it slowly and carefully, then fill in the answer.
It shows 8:59
